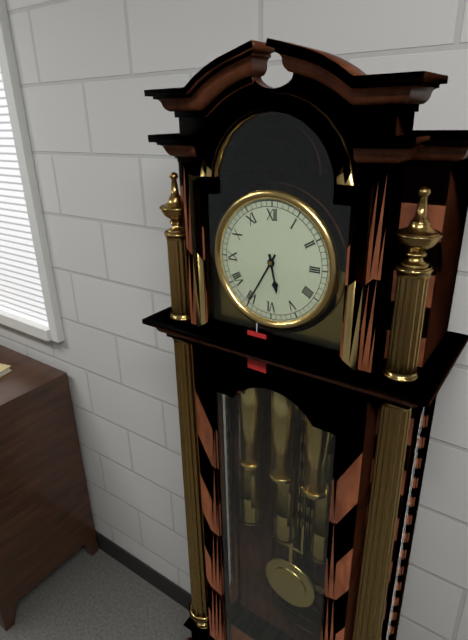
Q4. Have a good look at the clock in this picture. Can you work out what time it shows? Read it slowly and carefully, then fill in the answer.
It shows 5:35
